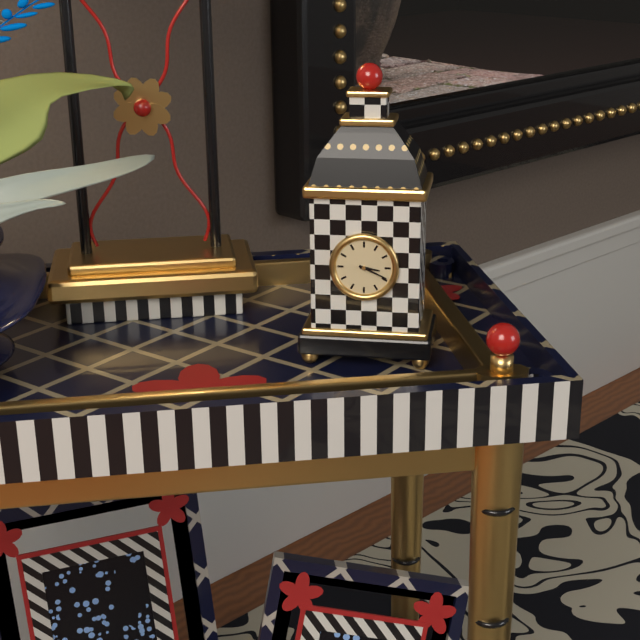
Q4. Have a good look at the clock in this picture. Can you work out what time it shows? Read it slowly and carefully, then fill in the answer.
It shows 3:19
